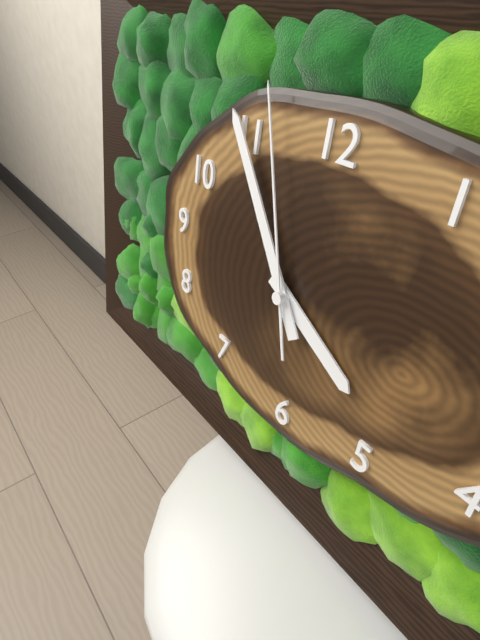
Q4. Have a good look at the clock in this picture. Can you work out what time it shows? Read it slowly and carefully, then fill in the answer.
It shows 3:54:57
